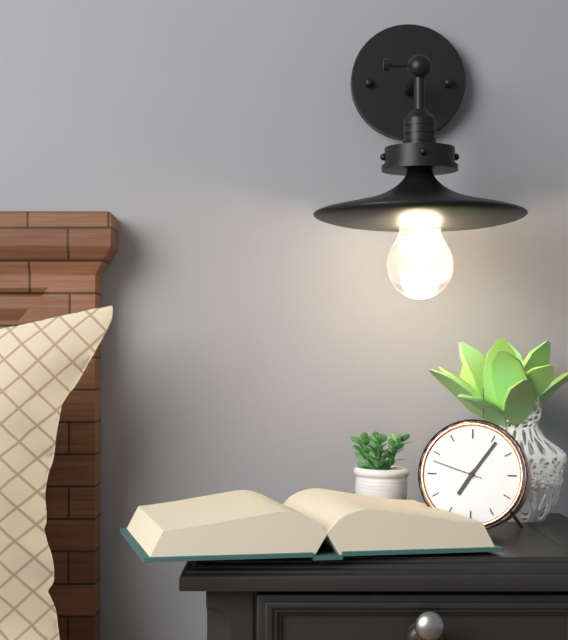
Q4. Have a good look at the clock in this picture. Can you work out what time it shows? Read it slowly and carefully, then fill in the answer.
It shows 7:06:48
